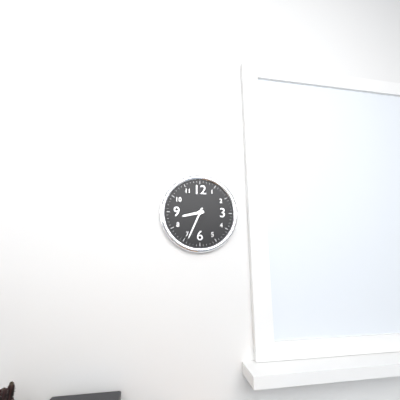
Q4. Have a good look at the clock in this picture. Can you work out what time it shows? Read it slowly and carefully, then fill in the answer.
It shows 8:34
